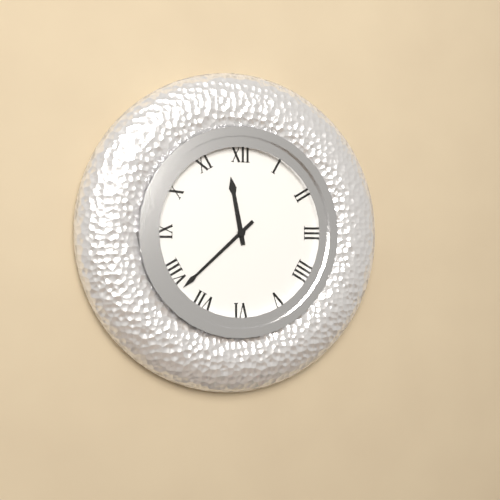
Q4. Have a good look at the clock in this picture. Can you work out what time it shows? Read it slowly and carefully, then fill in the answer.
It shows 11:38
